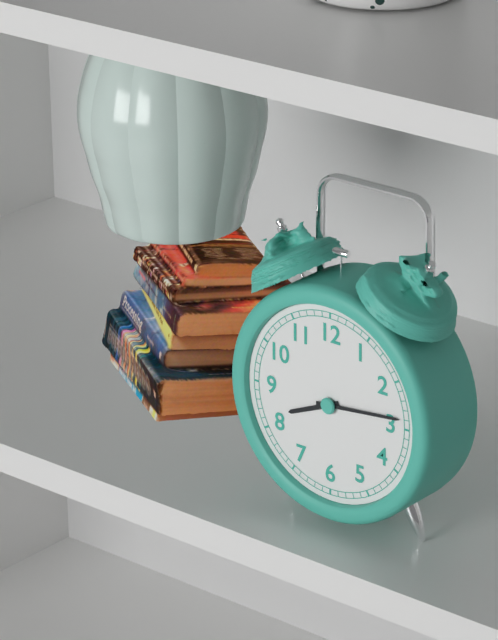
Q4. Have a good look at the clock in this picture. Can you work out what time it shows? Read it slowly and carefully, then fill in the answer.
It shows 8:14
